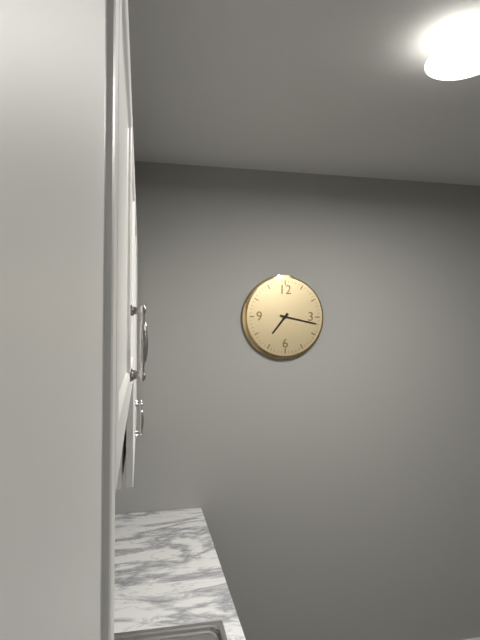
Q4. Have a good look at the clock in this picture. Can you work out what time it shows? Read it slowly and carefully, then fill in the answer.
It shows 7:17
